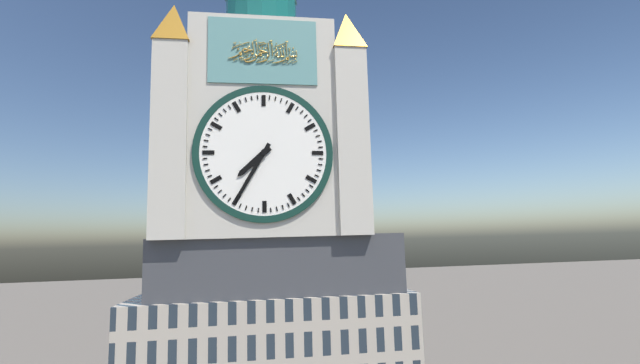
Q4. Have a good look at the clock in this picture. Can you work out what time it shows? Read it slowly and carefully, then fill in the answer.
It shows 7:35
